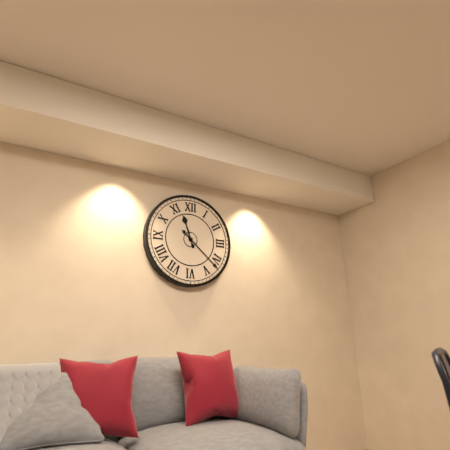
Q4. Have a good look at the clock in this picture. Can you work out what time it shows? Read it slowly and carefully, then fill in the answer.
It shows 11:22
